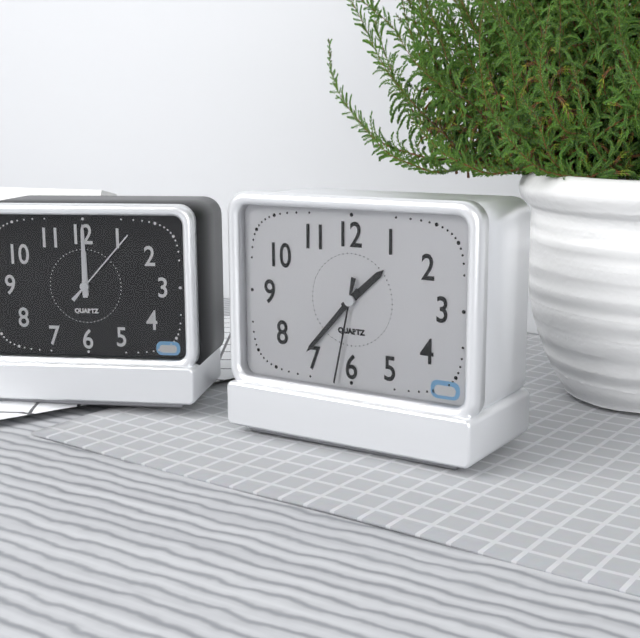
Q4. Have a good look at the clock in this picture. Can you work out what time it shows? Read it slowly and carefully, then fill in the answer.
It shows 1:37:32
